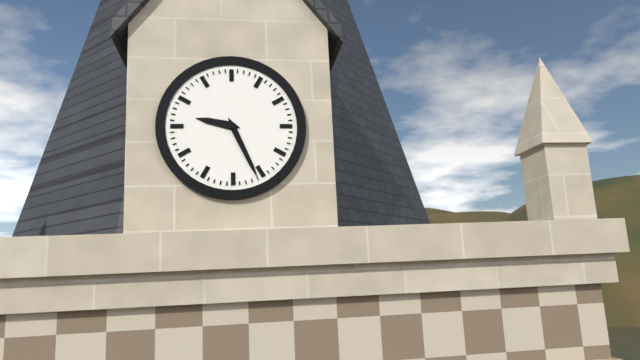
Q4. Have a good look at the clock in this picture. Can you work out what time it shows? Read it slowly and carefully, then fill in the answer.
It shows 9:26
